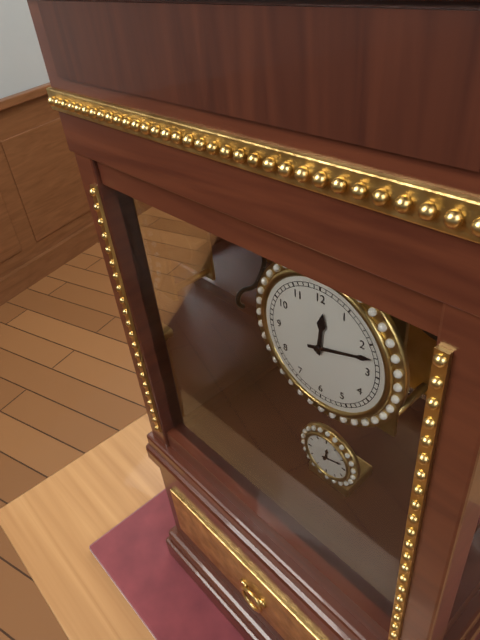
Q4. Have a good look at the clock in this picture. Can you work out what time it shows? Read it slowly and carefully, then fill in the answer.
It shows 12:12
